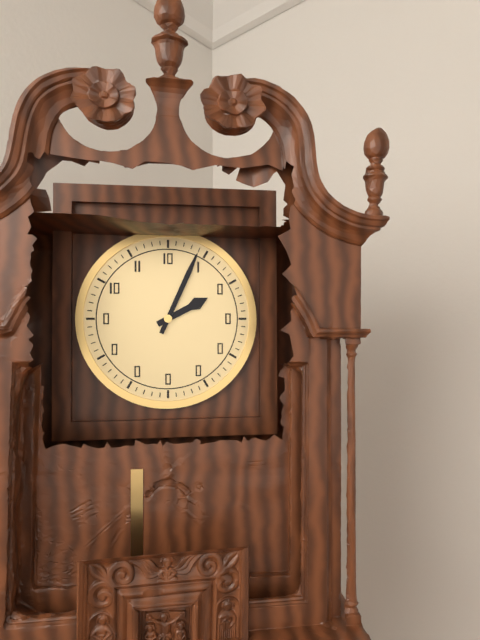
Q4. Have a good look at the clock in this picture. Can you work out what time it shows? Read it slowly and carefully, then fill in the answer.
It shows 2:04
